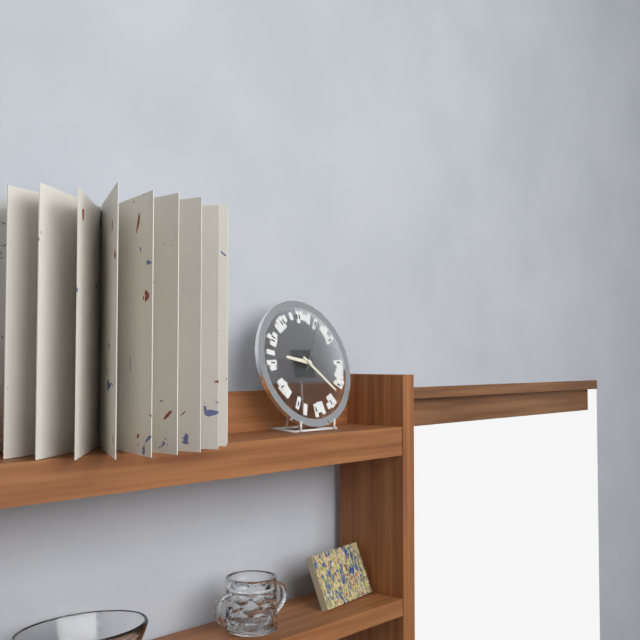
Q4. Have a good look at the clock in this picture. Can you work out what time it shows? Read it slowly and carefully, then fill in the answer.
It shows 9:22:05
